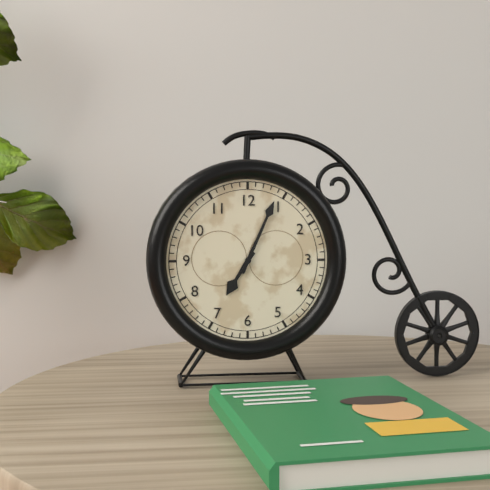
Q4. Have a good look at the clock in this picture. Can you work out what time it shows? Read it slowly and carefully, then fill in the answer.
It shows 7:04
